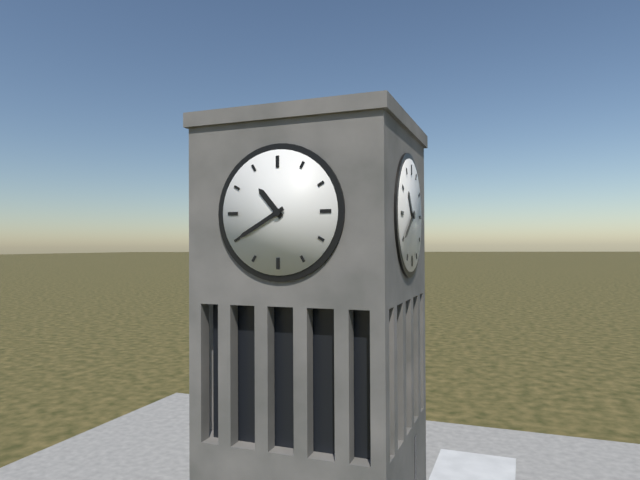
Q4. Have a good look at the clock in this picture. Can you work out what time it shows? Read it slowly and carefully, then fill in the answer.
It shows 10:40
